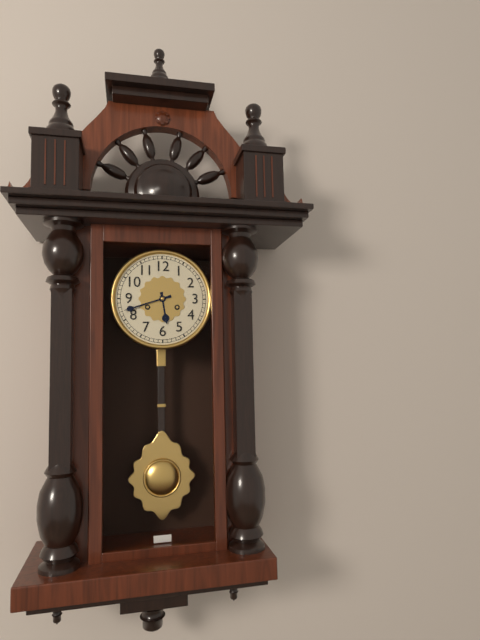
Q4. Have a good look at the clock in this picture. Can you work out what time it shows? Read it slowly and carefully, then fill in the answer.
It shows 5:42
